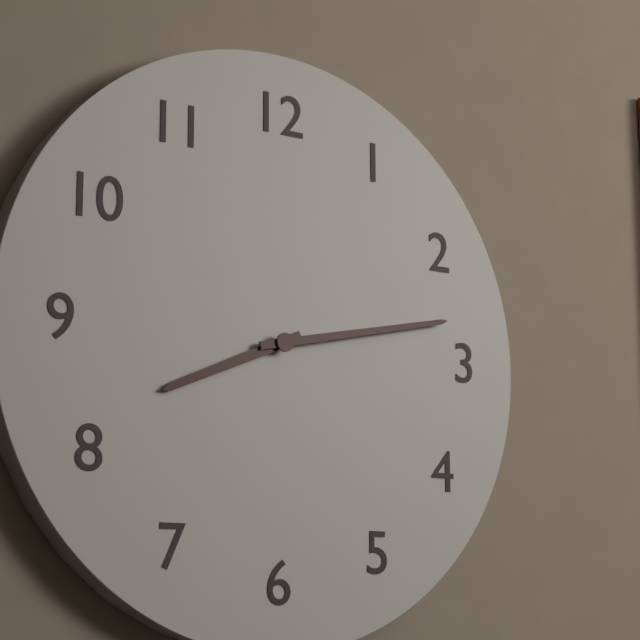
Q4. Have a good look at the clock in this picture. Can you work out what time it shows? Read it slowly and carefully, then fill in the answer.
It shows 8:13
